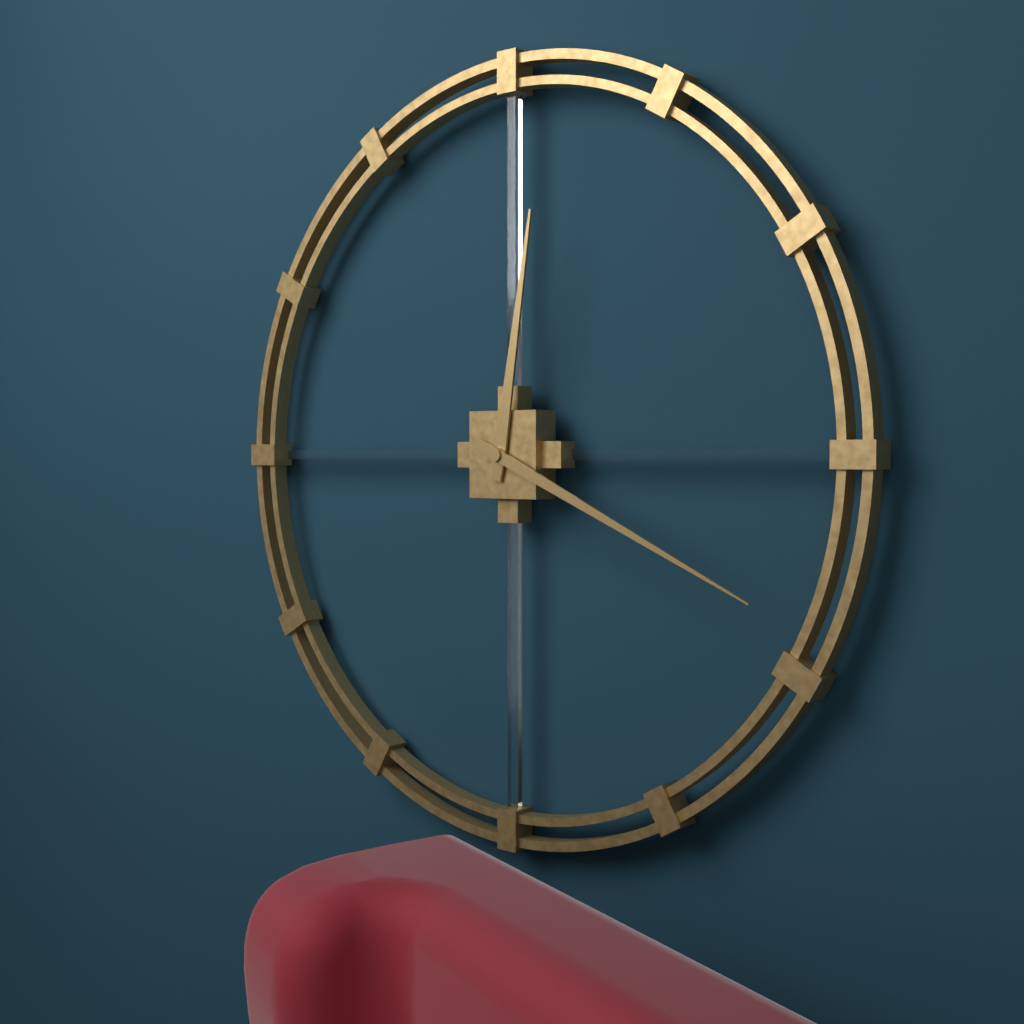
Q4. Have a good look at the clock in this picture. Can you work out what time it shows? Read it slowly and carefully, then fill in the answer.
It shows 12:19
